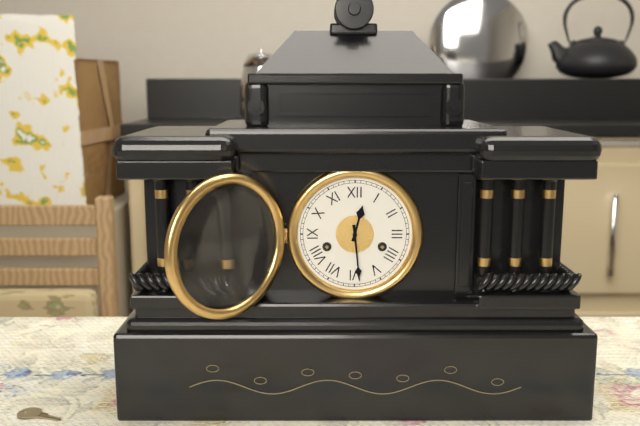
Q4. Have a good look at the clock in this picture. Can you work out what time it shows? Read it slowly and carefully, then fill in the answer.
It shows 12:29
